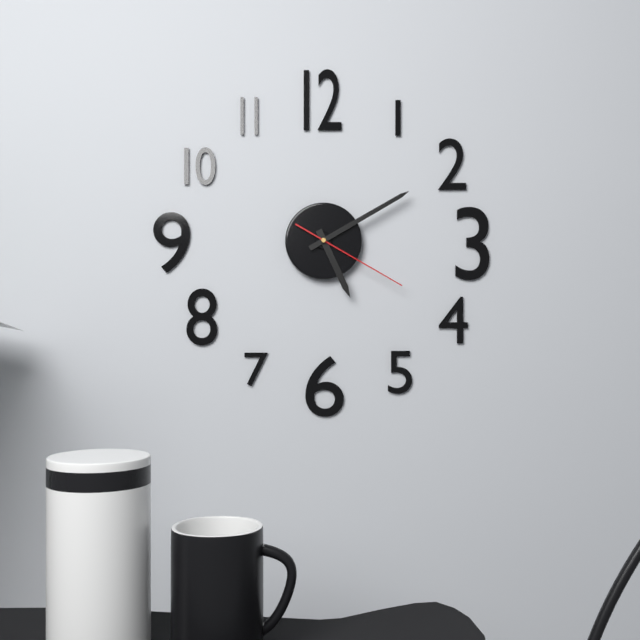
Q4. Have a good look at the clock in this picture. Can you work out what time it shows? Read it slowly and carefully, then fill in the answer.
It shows 5:10:20
